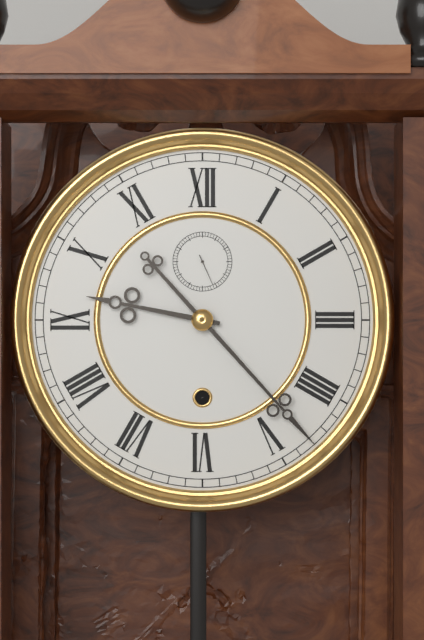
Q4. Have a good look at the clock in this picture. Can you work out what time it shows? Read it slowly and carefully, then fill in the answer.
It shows 9:23
